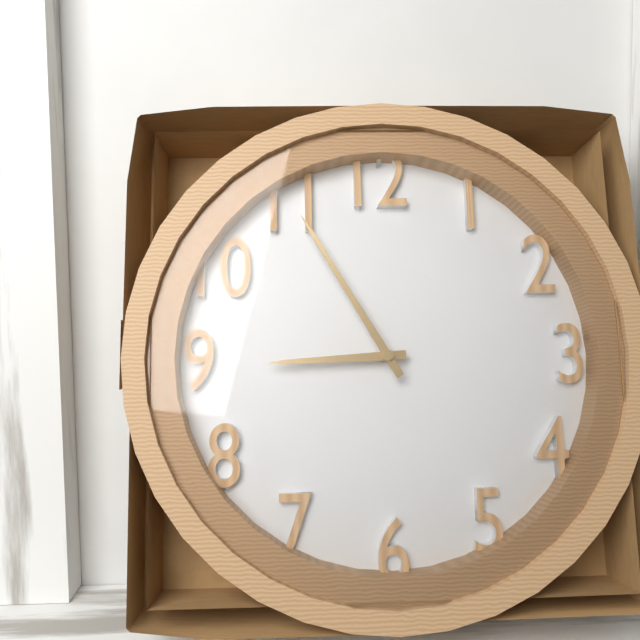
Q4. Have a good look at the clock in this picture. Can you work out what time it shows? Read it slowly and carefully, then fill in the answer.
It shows 8:55
